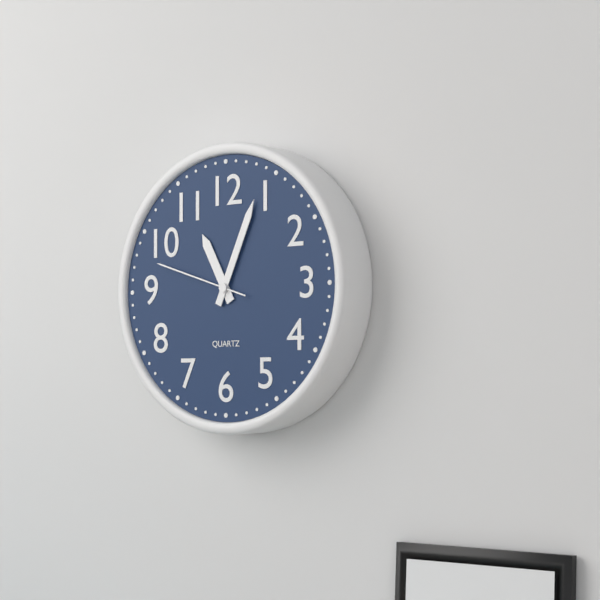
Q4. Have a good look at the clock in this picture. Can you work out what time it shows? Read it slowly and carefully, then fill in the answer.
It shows 11:04:48
